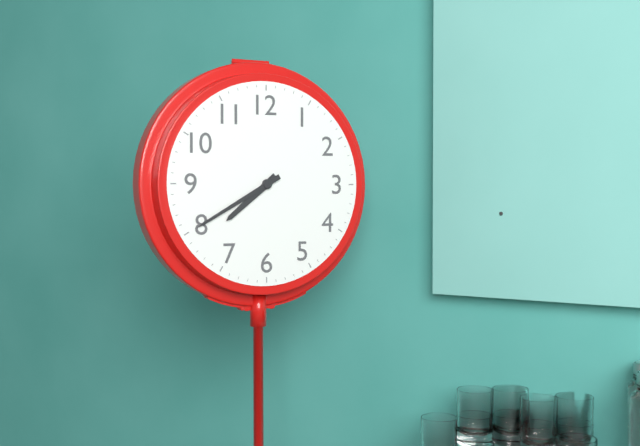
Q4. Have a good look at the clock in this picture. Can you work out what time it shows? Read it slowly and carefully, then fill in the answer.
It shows 7:40
